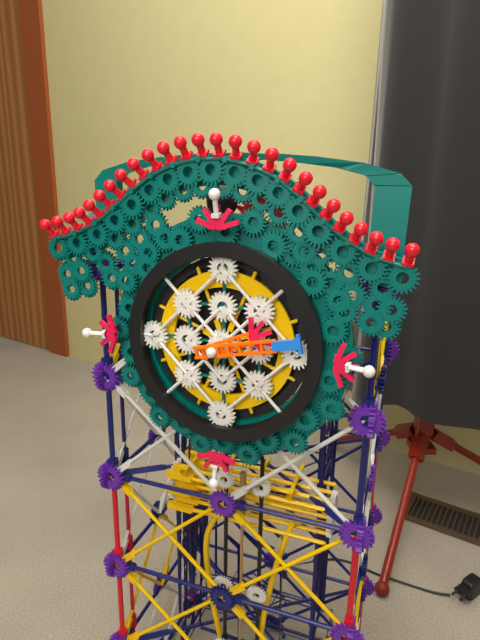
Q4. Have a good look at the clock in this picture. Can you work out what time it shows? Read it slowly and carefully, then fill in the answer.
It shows 2:13
